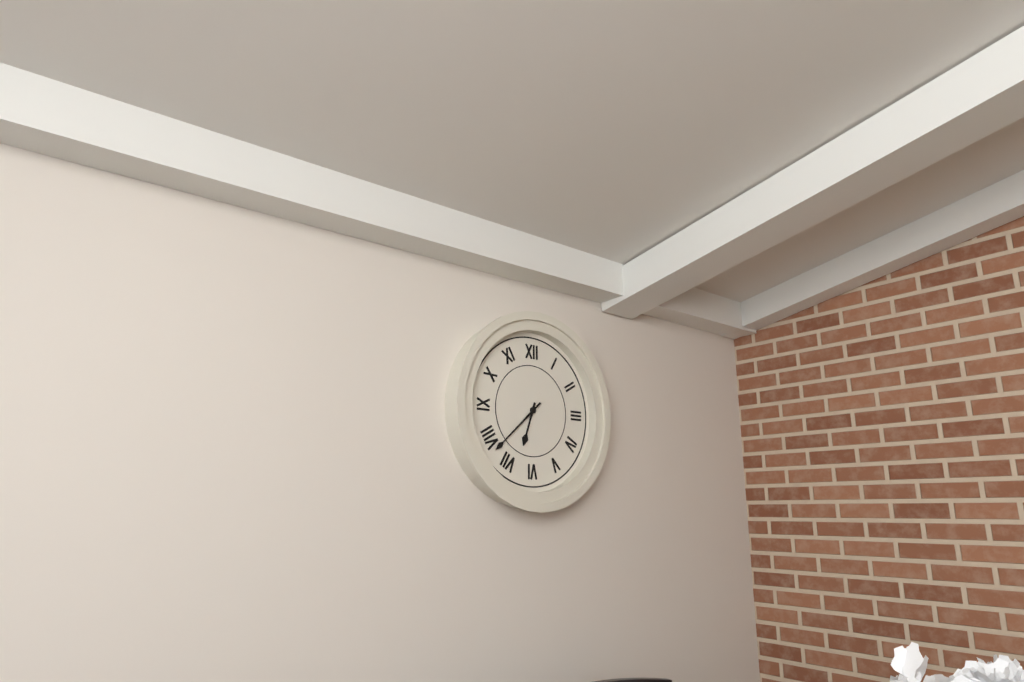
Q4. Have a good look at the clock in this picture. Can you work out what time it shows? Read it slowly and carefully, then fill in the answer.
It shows 6:38
